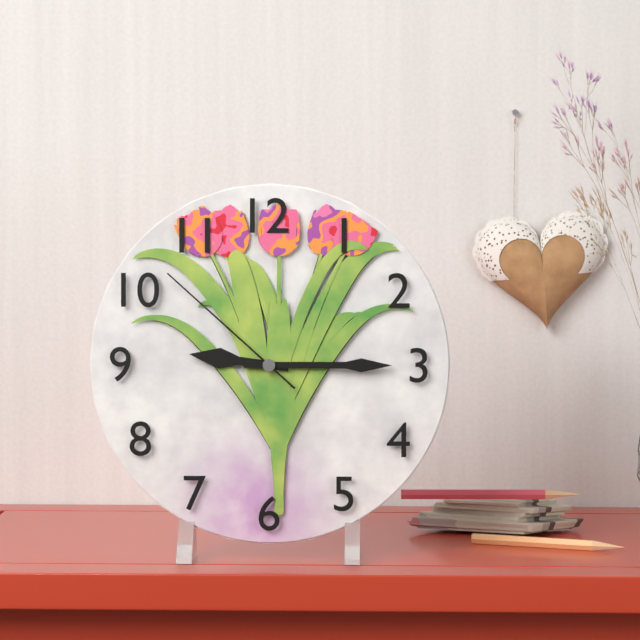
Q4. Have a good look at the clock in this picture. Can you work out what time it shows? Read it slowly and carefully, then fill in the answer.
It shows 9:15:52
